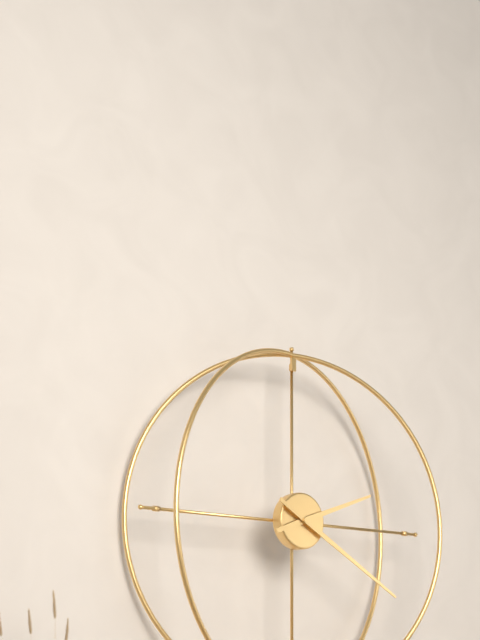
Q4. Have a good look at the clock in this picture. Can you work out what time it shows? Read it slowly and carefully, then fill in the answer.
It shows 2:20
